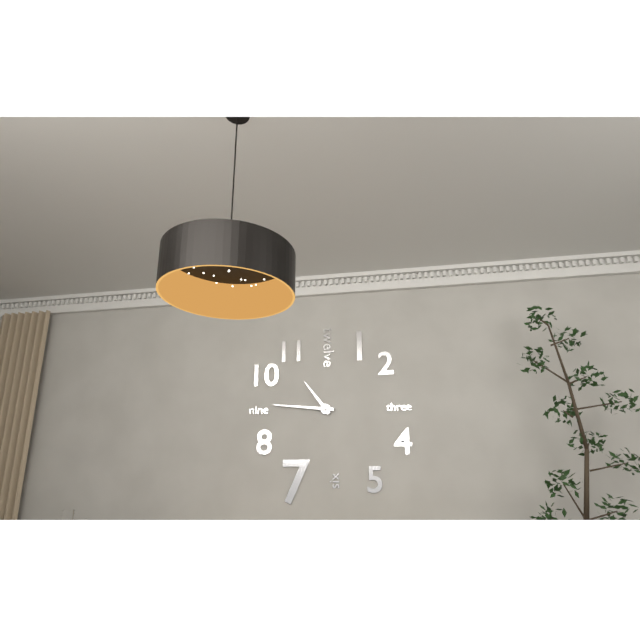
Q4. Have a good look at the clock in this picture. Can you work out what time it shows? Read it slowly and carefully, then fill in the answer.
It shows 10:46
